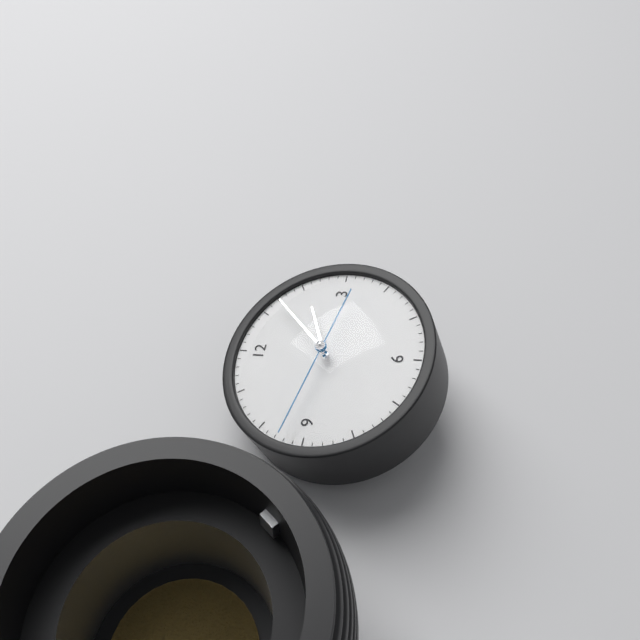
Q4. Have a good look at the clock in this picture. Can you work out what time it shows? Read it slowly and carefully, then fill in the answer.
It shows 2:07:47
